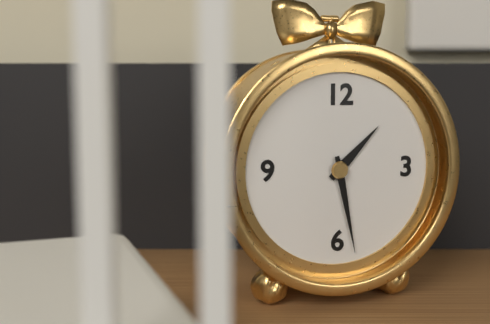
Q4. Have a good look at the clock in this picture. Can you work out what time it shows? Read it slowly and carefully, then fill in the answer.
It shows 1:28
